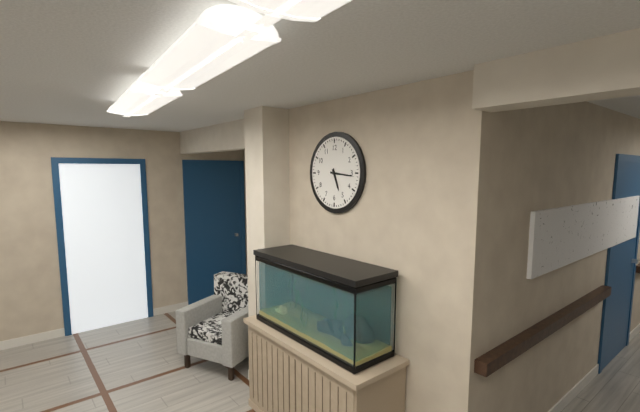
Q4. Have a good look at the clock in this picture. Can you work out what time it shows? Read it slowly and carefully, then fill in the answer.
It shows 5:16
